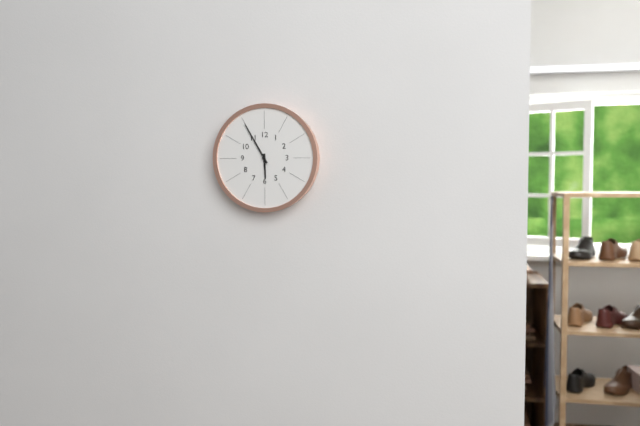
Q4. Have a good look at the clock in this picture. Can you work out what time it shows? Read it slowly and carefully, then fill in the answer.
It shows 5:55
